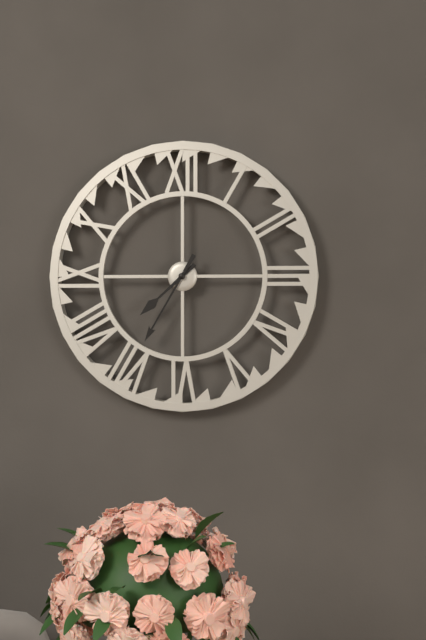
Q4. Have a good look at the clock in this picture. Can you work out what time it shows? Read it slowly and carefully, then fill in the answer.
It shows 7:35
